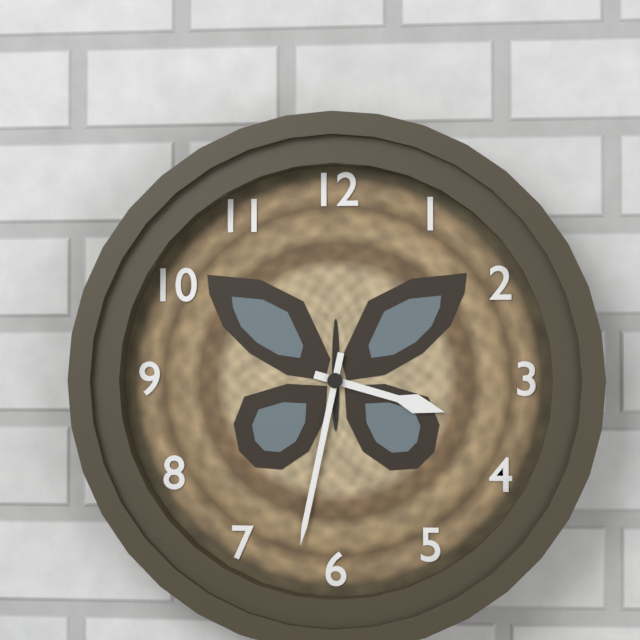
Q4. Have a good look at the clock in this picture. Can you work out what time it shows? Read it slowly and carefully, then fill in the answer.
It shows 3:32
